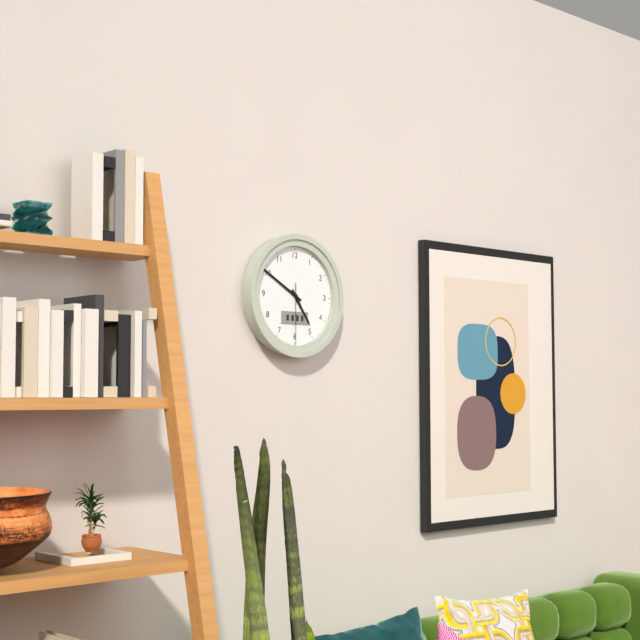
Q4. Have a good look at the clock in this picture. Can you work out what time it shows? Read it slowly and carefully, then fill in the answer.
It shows 4:50:30
